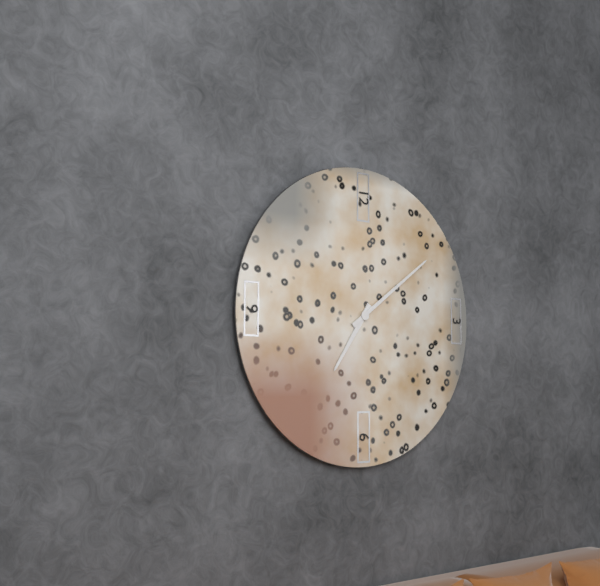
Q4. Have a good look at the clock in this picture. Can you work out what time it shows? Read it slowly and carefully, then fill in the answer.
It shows 7:09
